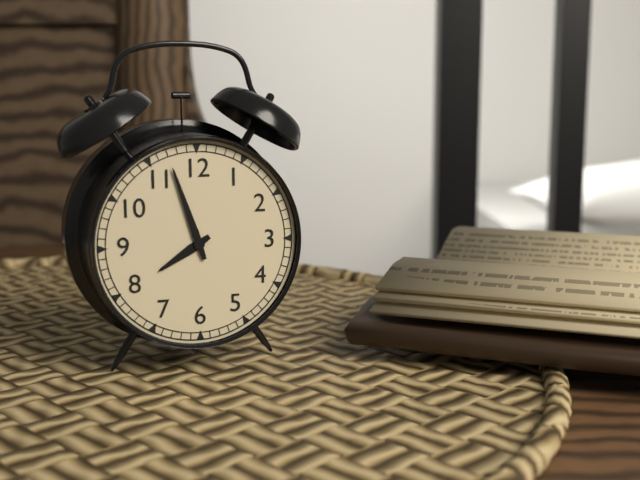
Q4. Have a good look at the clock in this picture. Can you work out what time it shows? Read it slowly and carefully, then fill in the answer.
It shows 7:57
